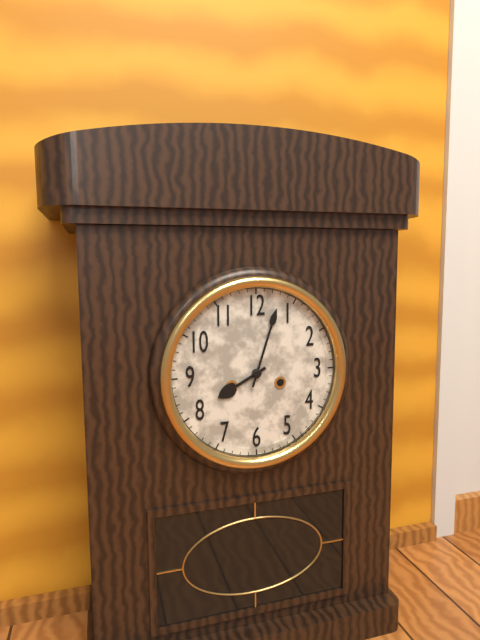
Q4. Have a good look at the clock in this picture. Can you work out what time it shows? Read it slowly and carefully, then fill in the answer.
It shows 8:03
